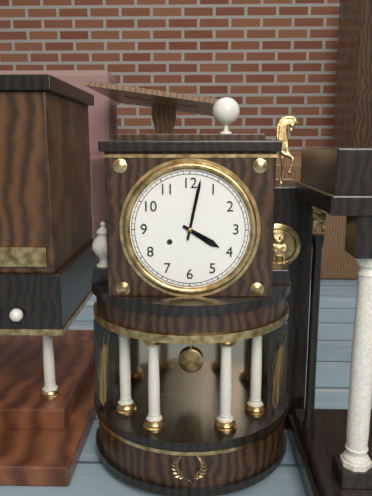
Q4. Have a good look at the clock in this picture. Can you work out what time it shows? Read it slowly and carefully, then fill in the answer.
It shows 4:02
